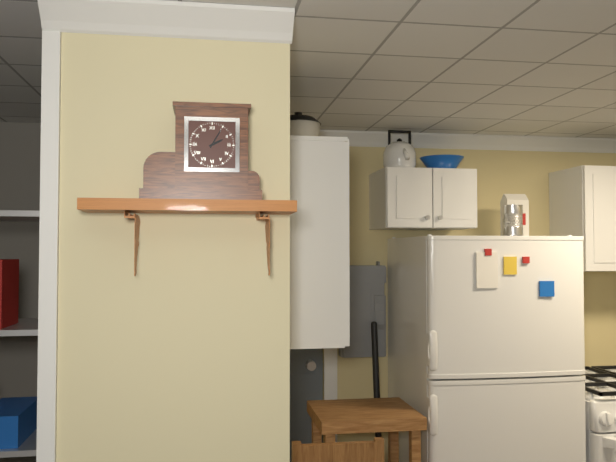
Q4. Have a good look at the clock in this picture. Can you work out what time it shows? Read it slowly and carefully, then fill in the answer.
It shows 2:05
